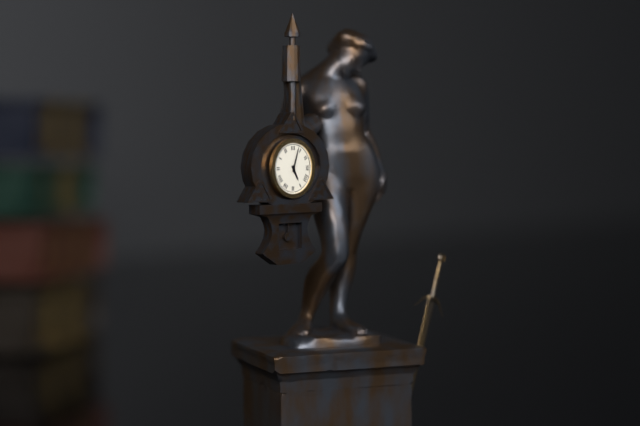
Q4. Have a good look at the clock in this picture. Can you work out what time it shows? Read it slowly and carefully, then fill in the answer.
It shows 5:03
